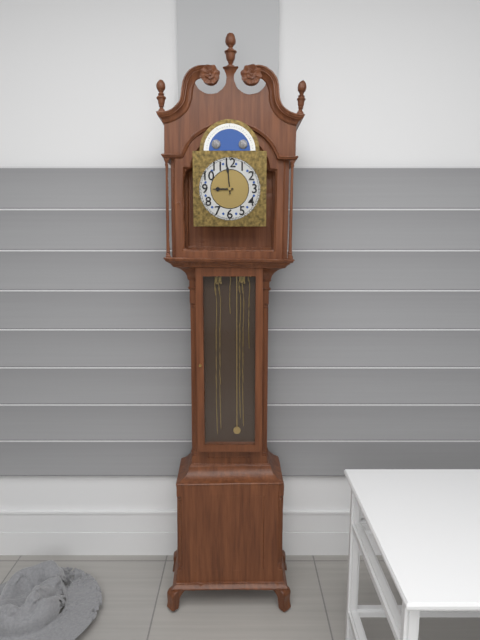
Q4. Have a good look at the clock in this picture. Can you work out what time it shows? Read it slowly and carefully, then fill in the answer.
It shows 8:59
